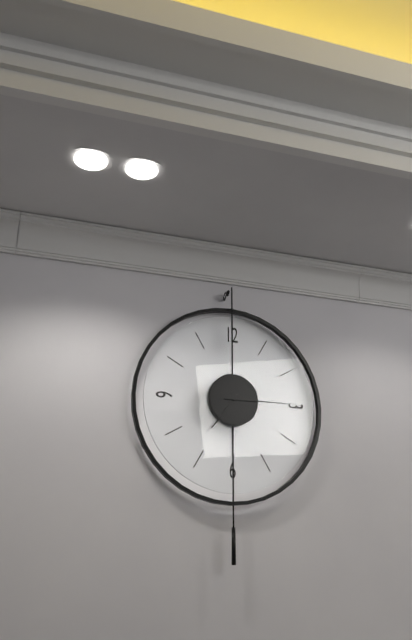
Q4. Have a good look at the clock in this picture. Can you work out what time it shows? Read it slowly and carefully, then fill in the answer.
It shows 7:15
